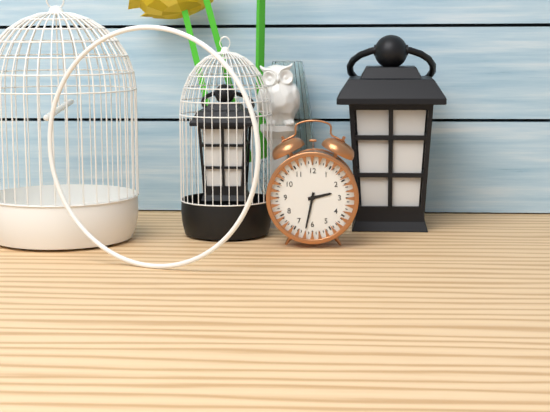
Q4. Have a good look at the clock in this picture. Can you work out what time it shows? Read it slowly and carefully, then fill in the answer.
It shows 2:32
